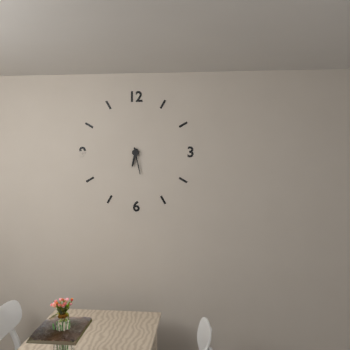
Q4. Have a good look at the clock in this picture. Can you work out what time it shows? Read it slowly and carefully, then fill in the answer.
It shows 6:28
